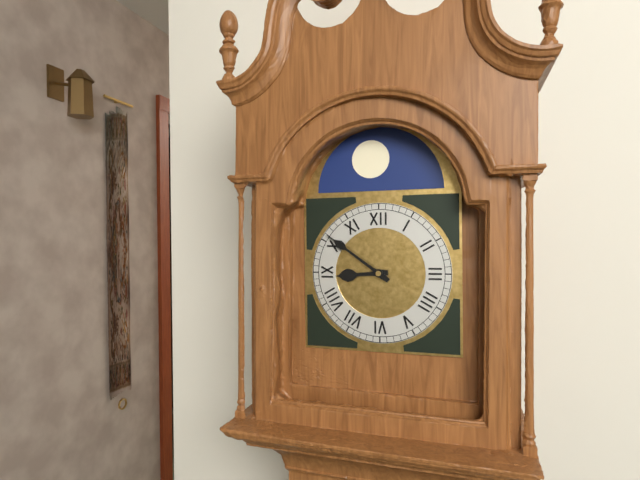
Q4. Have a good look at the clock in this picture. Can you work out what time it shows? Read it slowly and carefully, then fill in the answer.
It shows 8:51
